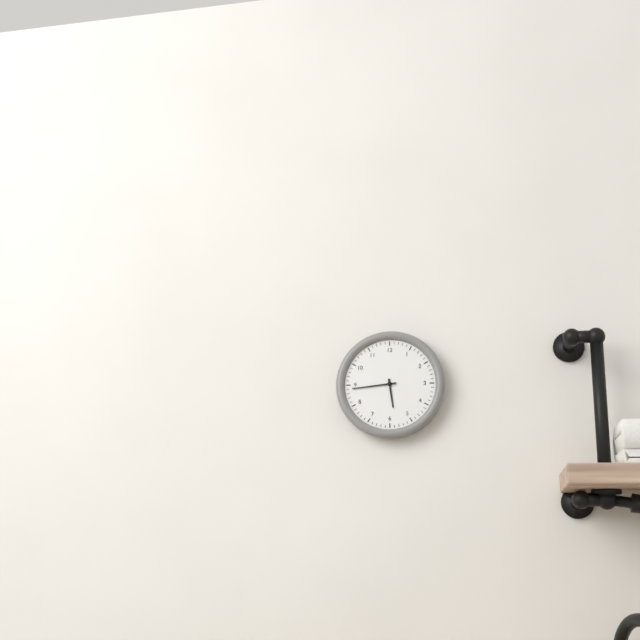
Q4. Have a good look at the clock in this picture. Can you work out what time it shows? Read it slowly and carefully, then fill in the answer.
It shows 5:44
